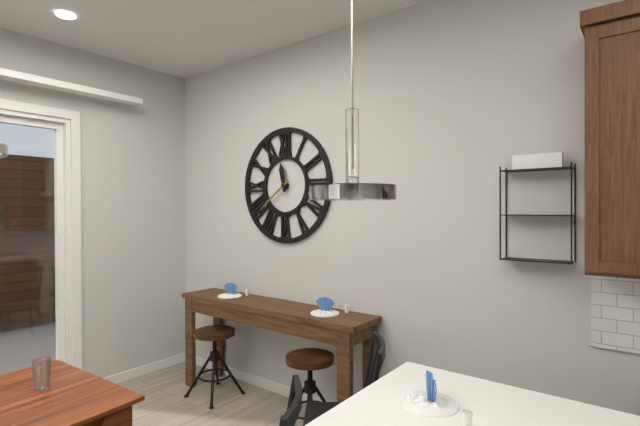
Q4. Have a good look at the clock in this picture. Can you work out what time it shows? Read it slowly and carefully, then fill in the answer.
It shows 11:39
